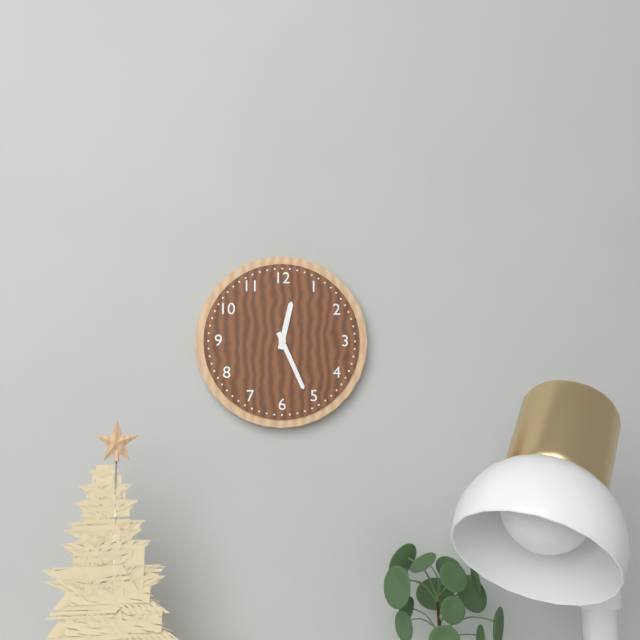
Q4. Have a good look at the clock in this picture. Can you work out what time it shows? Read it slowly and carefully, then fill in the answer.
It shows 12:26
